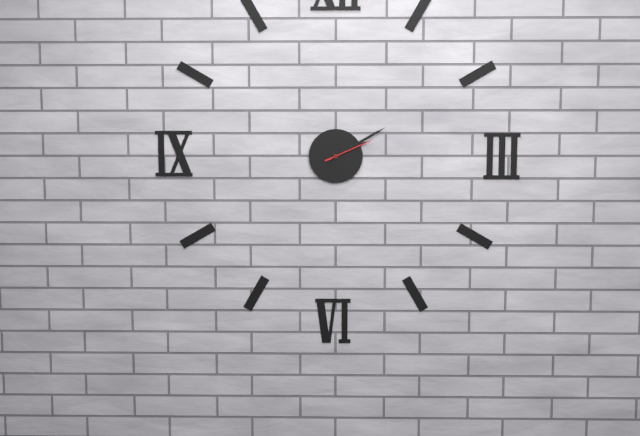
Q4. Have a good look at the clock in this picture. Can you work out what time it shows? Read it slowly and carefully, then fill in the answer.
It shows 2:10
